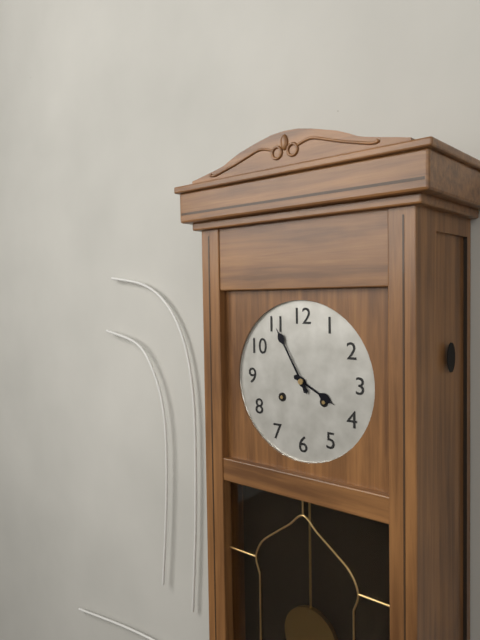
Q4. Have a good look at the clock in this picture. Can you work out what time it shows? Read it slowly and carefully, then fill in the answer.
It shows 3:55
